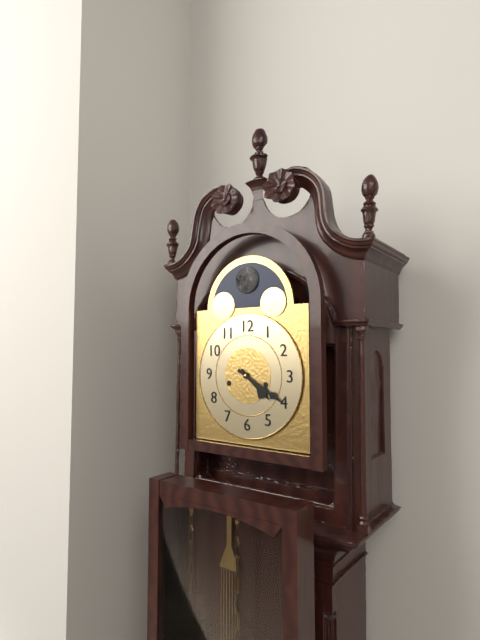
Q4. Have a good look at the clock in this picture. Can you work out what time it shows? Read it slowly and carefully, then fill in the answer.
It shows 4:20
